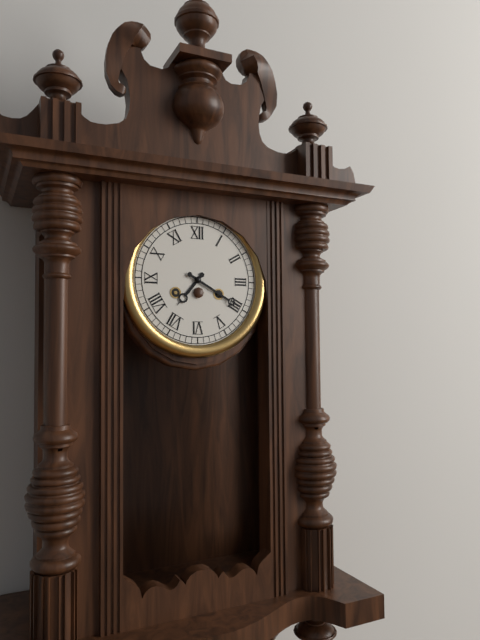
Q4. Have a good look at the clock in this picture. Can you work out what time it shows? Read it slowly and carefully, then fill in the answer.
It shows 7:20
